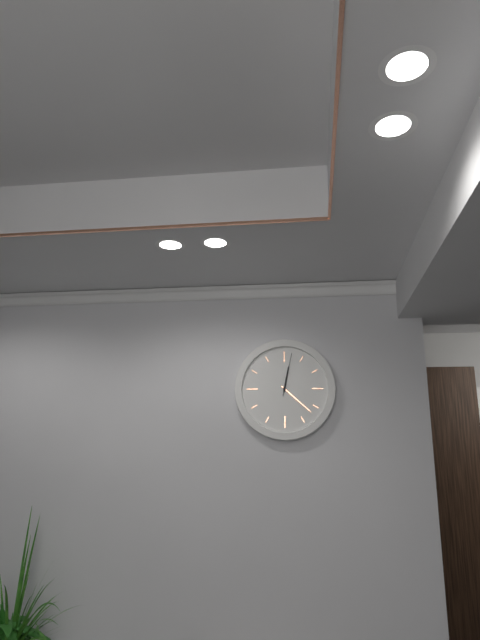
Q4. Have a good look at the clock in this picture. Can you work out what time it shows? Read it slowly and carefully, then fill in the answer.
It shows 12:22
